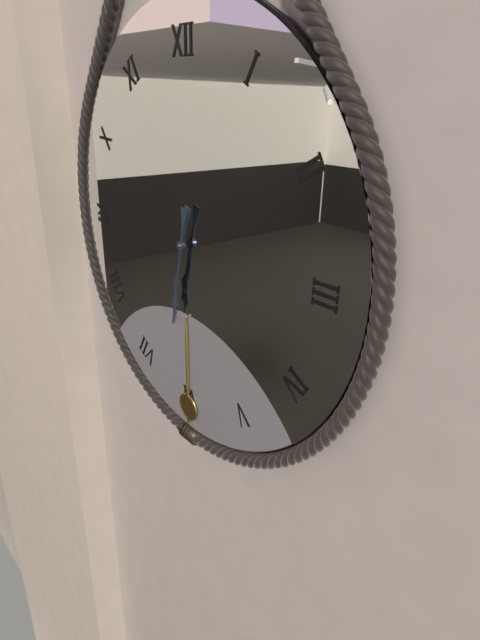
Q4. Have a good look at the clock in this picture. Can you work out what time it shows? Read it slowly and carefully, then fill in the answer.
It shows 6:32
